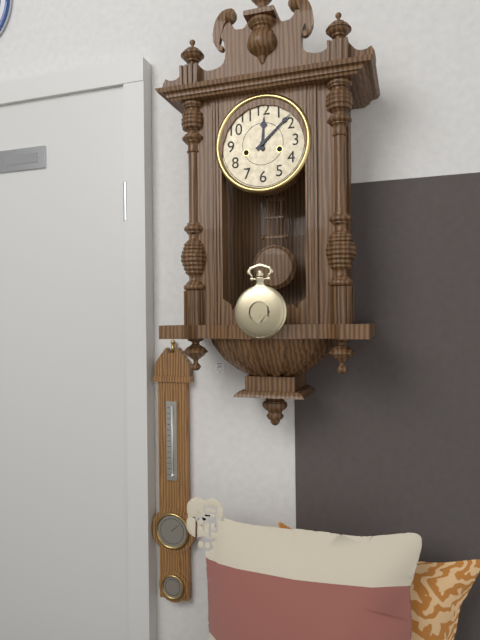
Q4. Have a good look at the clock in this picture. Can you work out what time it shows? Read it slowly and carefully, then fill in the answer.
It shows 12:08
